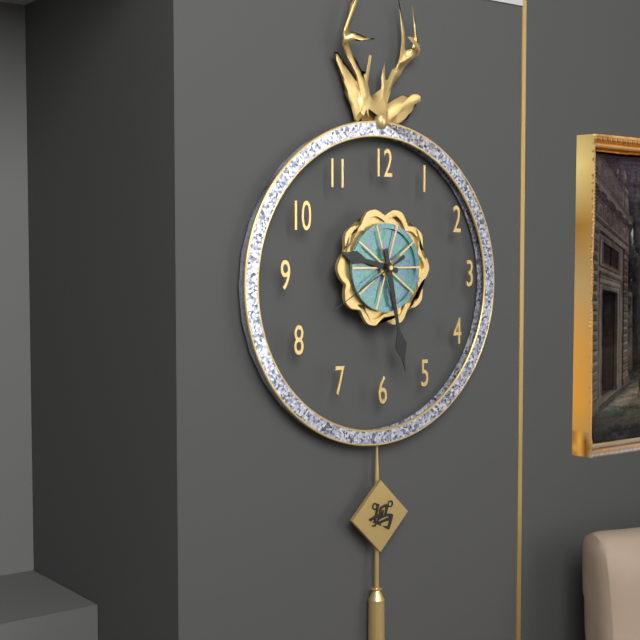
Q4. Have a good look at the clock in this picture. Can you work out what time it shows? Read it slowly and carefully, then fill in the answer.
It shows 9:28:40
